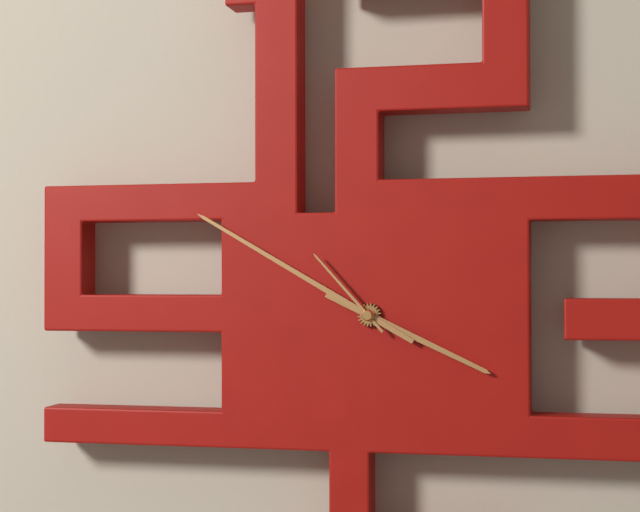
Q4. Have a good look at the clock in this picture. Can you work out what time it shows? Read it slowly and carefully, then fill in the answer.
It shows 3:50:53
